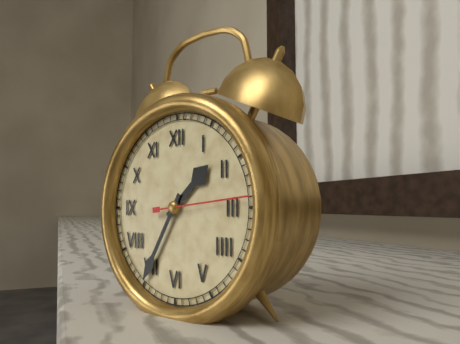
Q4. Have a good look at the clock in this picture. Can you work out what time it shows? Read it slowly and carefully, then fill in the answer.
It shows 1:35:14
